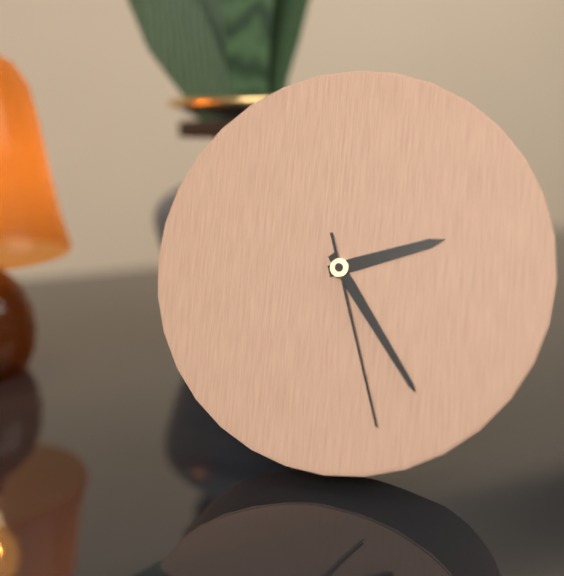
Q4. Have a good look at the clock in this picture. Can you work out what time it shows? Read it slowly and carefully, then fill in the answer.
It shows 2:24:27
